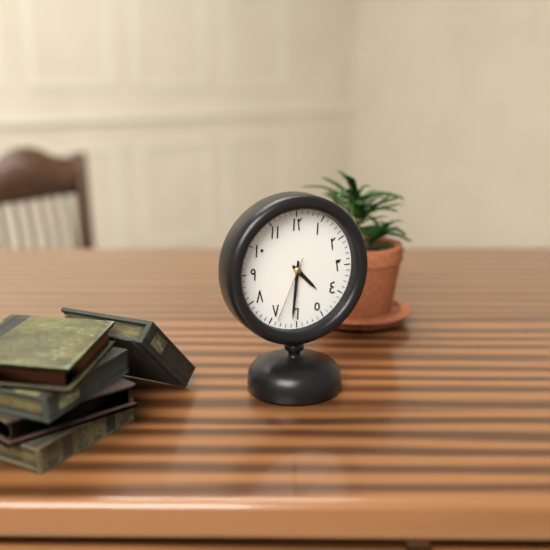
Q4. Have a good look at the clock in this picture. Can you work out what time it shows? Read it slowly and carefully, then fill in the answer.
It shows 4:31:34
